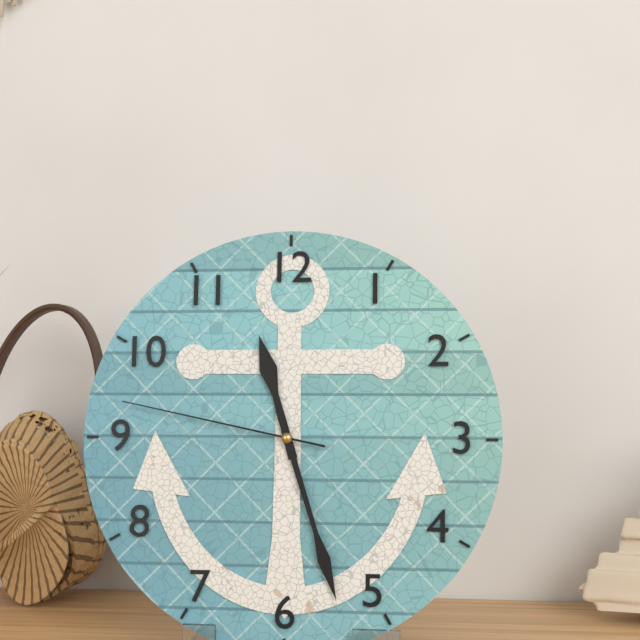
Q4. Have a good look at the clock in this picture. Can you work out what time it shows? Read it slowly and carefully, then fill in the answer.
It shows 11:27:47
